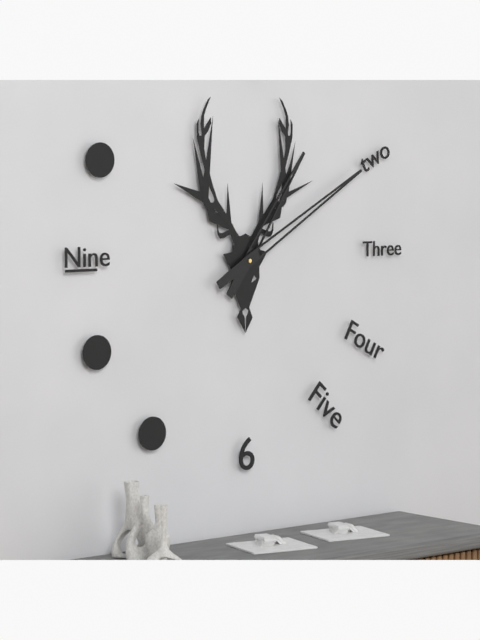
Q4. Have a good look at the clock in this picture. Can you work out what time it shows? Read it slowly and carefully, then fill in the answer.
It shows 1:10
